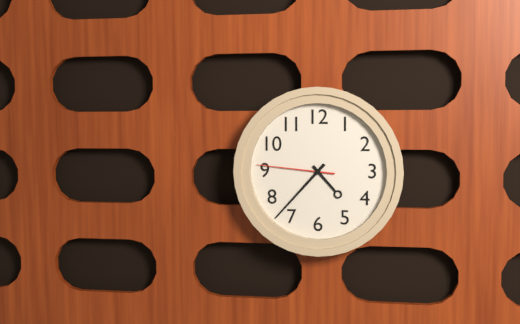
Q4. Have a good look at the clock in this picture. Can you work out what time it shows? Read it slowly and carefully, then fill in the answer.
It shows 4:37:46
